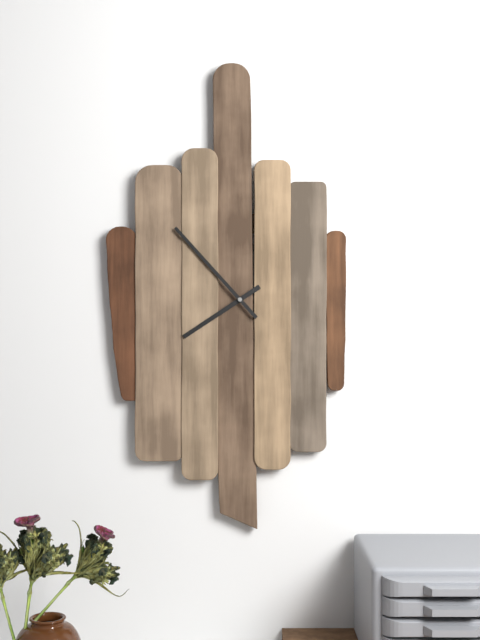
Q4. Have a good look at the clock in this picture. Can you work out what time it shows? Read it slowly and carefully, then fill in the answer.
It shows 7:53
